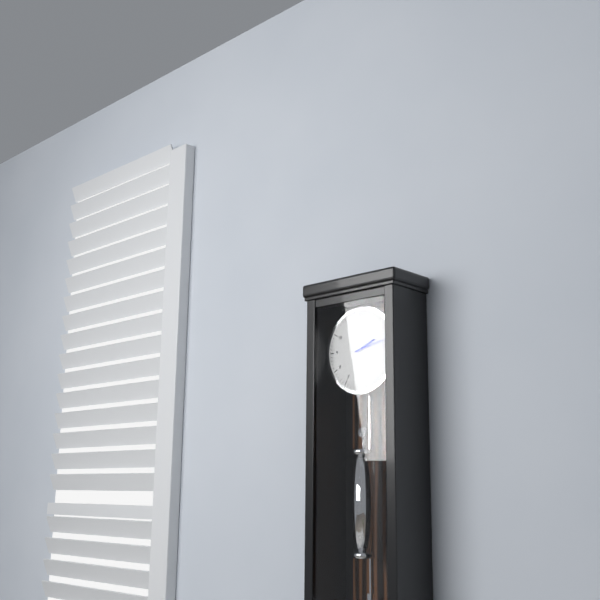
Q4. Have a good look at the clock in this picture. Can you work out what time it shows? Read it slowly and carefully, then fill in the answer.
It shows 2:13
